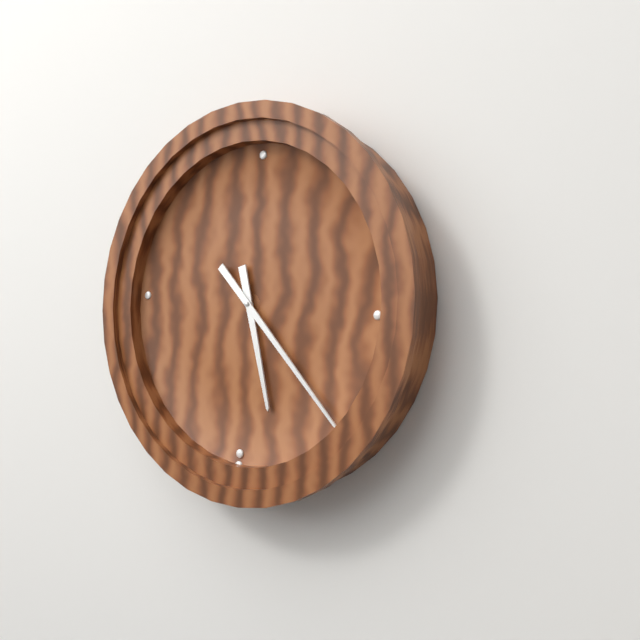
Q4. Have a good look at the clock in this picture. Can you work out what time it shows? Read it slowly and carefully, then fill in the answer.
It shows 5:22
